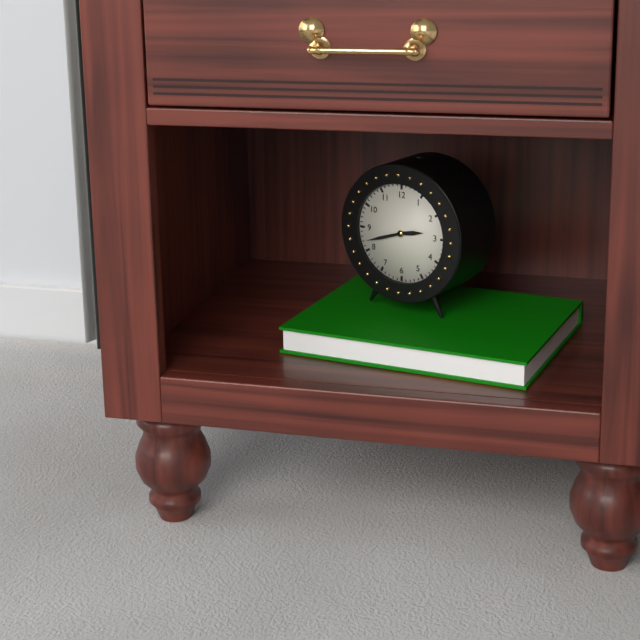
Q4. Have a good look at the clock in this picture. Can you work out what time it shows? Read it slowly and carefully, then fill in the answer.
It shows 2:42
